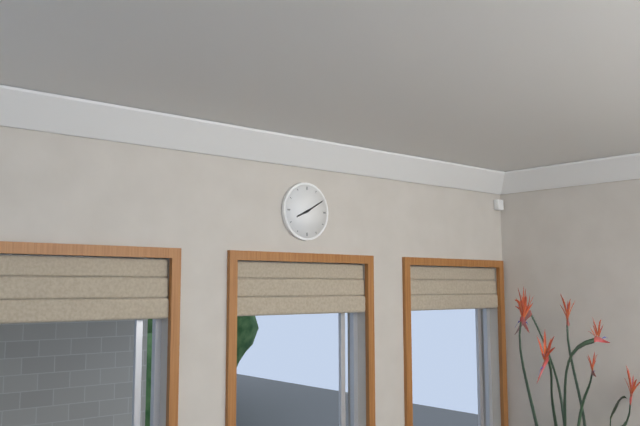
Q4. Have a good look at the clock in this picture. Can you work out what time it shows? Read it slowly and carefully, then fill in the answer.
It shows 8:10
